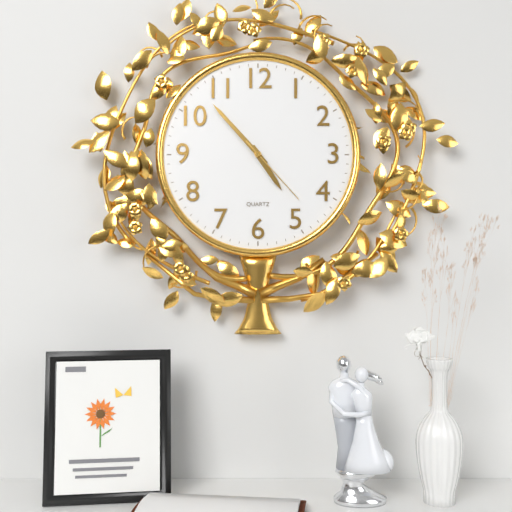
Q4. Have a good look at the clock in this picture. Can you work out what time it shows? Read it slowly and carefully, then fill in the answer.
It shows 4:53:23
